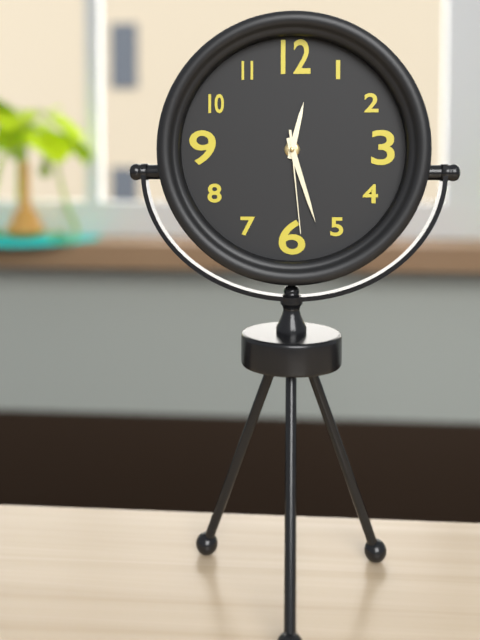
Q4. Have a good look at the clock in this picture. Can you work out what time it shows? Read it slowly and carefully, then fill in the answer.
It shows 12:27:29
